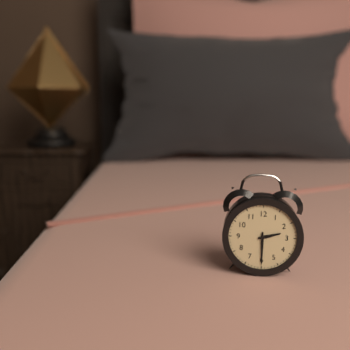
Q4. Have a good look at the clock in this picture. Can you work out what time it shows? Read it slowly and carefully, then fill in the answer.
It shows 2:30
